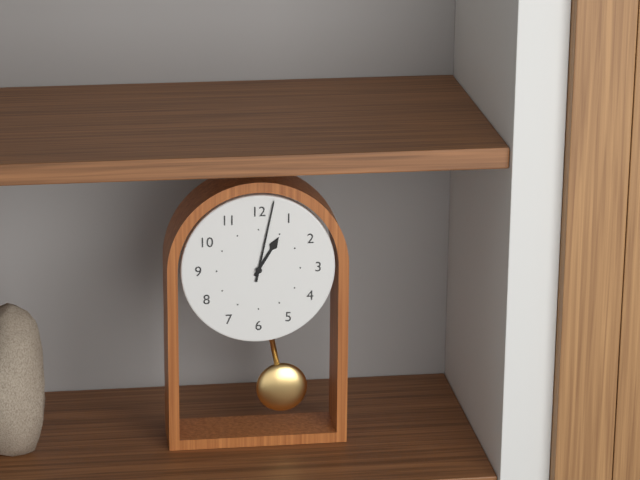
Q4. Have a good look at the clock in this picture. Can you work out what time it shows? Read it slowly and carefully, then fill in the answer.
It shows 1:02
